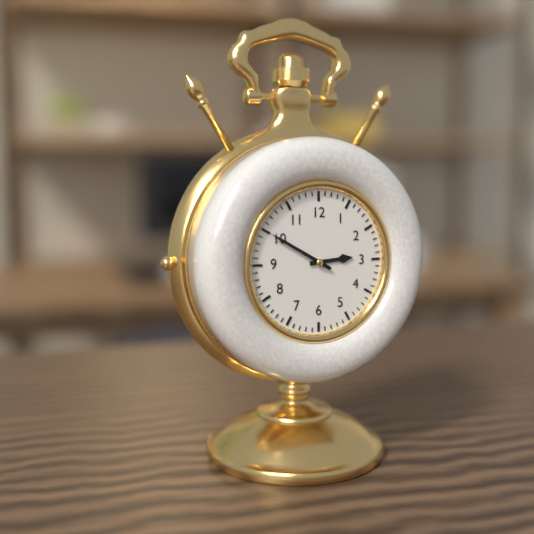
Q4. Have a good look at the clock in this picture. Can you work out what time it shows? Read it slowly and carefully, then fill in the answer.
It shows 2:50
